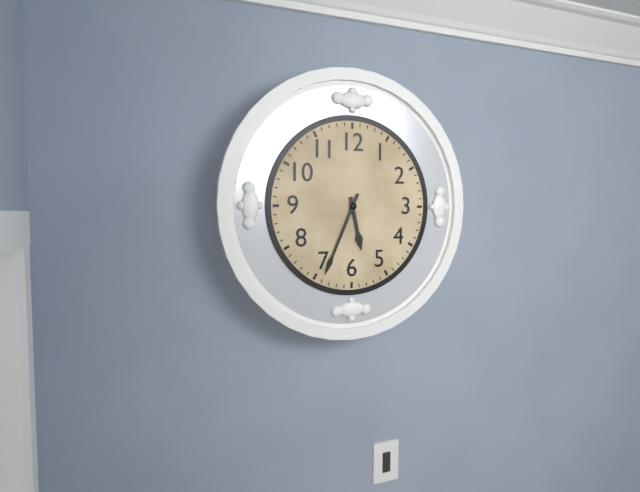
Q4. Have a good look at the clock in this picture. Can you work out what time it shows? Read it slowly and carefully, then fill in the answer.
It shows 5:34
